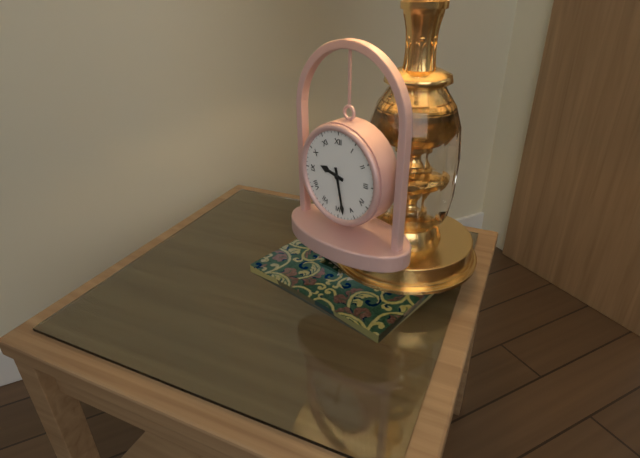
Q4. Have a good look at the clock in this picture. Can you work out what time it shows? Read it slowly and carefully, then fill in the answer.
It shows 9:28
